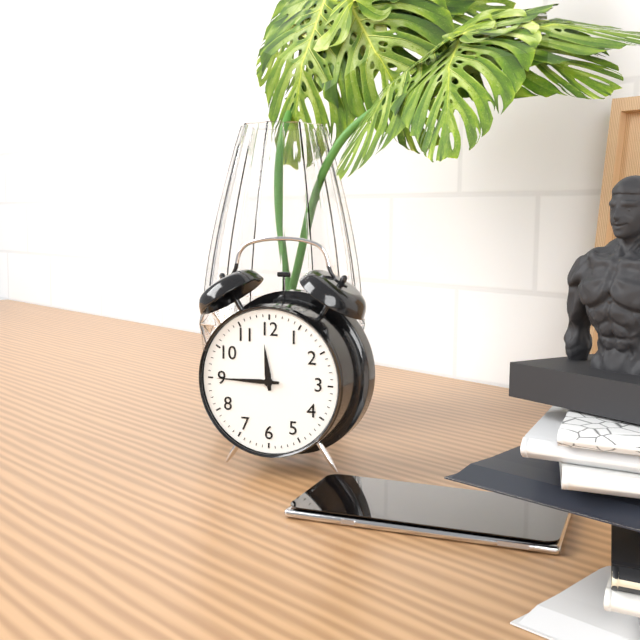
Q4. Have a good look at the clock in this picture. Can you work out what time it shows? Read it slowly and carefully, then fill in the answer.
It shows 11:45
